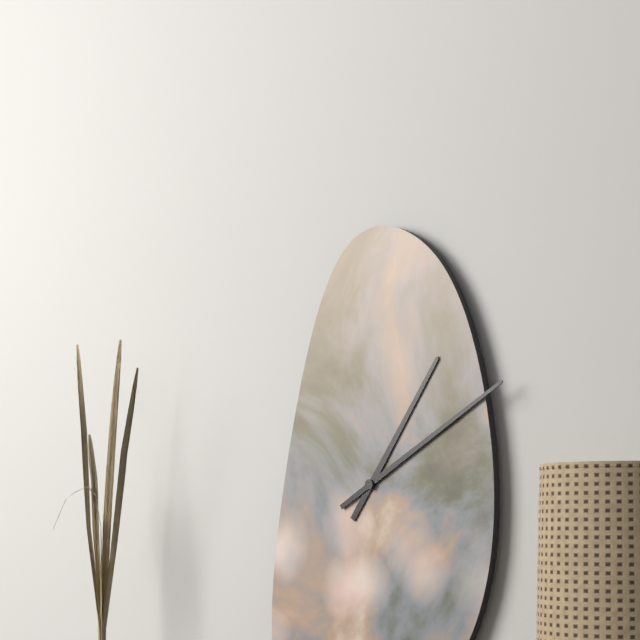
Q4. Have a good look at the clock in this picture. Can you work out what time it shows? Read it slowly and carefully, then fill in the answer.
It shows 1:10
